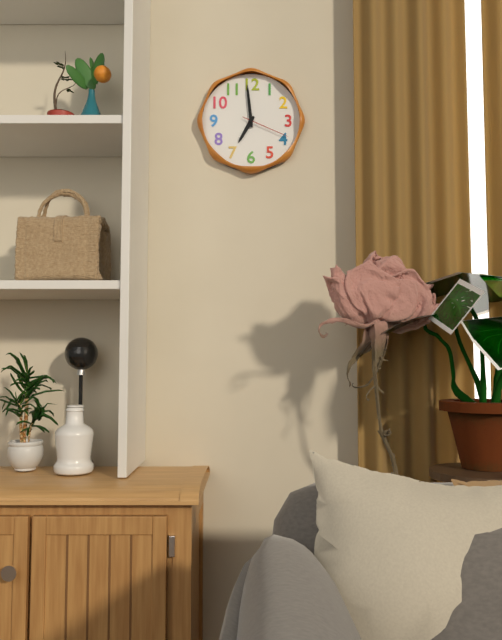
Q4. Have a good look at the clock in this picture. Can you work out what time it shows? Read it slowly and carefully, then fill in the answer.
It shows 6:59:19
